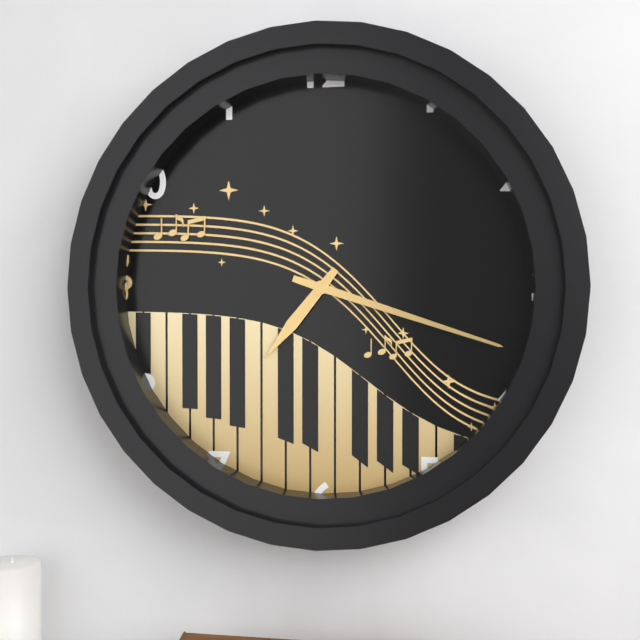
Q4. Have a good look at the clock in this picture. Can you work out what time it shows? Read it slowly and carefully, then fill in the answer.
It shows 7:18
